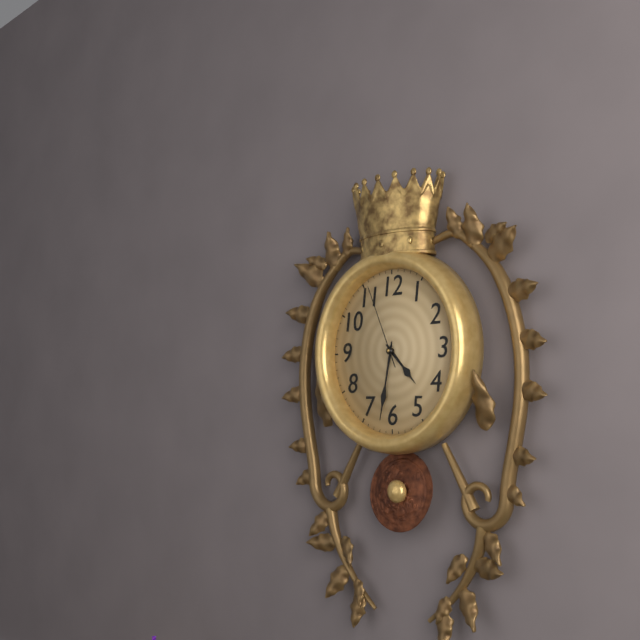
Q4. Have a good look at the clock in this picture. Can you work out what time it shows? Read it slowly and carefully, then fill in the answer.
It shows 4:32:56
